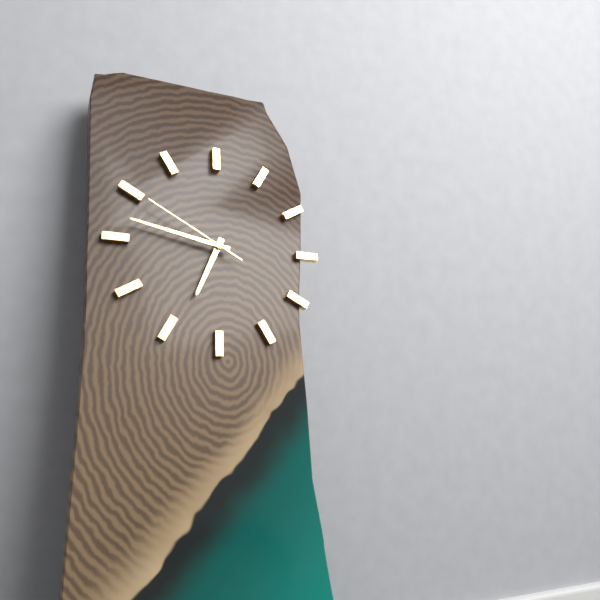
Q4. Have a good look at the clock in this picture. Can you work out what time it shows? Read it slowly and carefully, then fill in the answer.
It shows 6:47:50
